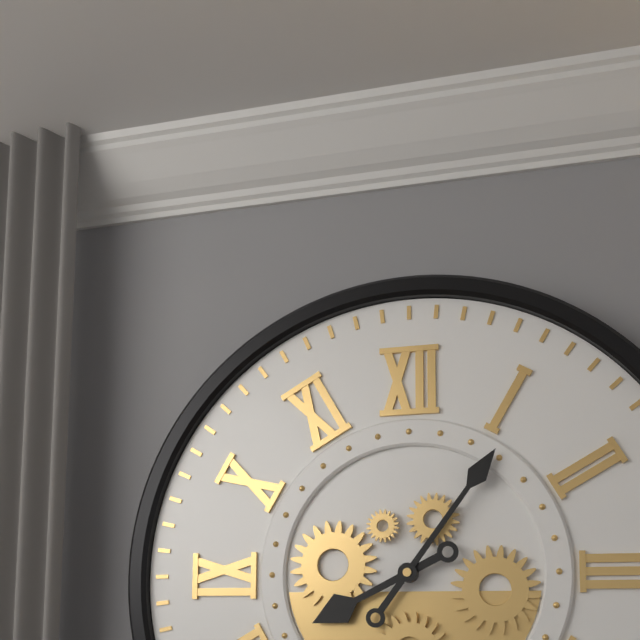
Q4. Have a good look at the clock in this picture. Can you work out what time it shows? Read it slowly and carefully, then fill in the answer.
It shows 8:06
